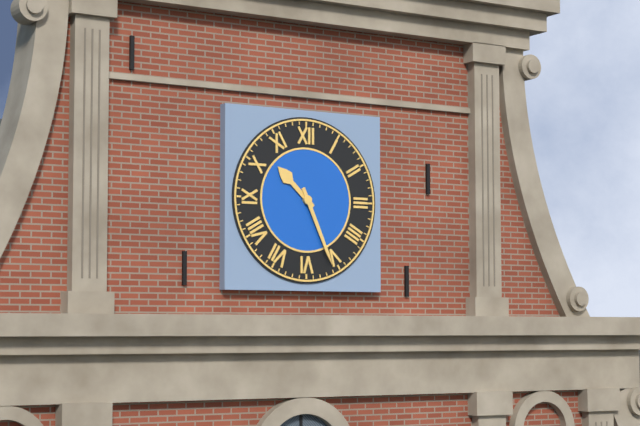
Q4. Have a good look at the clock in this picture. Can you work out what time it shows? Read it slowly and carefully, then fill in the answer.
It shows 10:26
